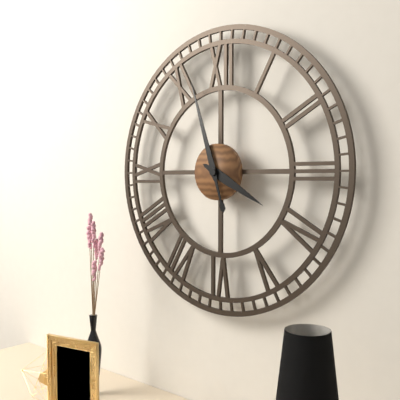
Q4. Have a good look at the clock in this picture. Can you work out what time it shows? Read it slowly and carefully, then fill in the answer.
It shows 3:57
